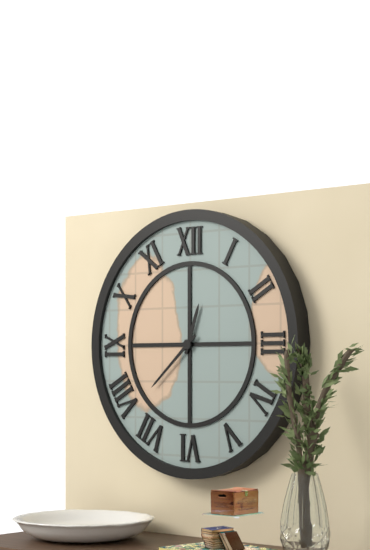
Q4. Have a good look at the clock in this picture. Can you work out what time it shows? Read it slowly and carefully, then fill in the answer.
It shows 12:38
